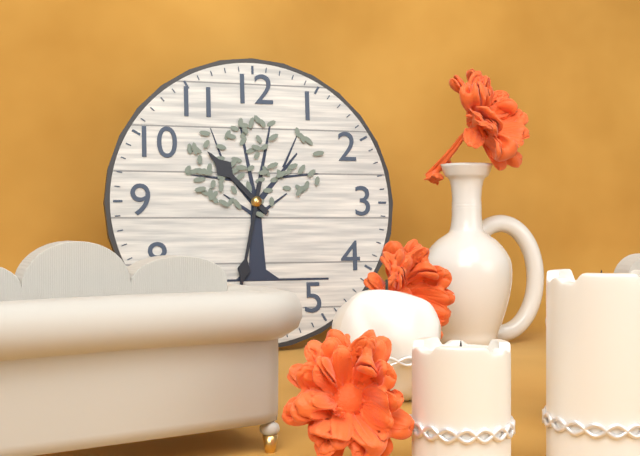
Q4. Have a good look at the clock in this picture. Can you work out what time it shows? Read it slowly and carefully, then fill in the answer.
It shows 10:32
